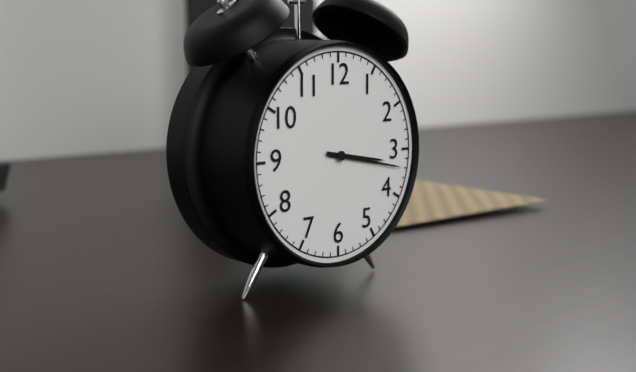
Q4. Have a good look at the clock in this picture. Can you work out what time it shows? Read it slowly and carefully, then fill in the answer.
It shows 3:17
